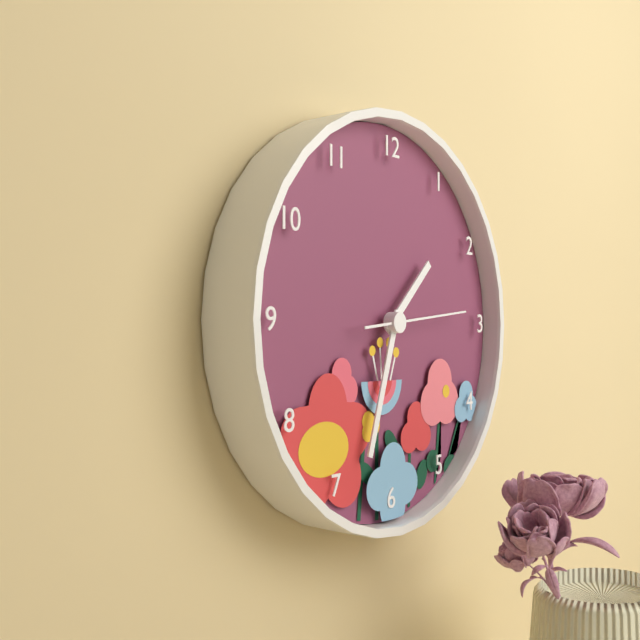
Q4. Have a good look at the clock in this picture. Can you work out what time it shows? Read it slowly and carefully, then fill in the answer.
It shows 1:33:14
